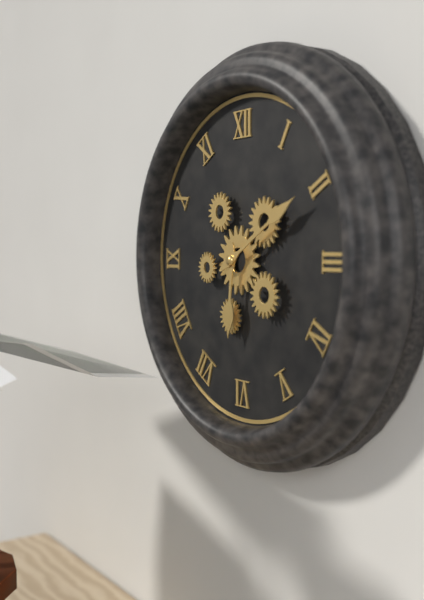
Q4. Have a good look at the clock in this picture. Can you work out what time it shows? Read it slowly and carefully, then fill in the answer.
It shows 6:10
